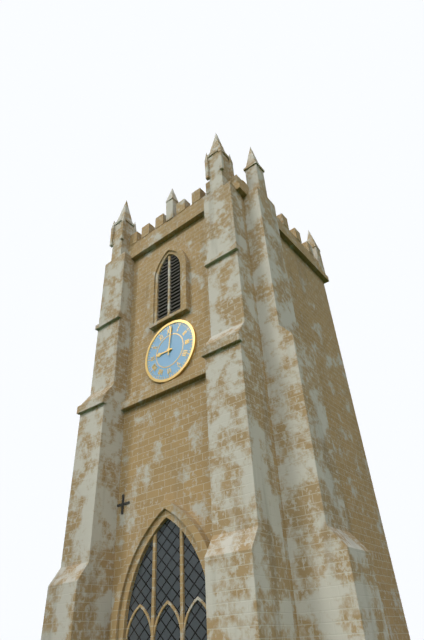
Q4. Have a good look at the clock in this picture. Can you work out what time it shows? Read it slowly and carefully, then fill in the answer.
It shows 9:01
